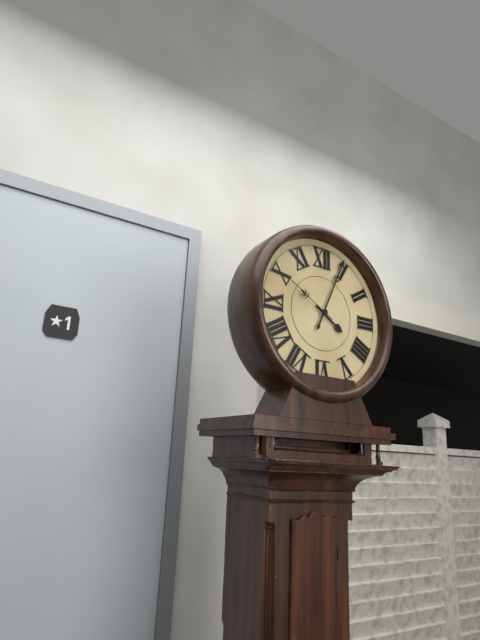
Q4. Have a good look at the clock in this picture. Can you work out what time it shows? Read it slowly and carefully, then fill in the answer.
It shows 4:04:50
